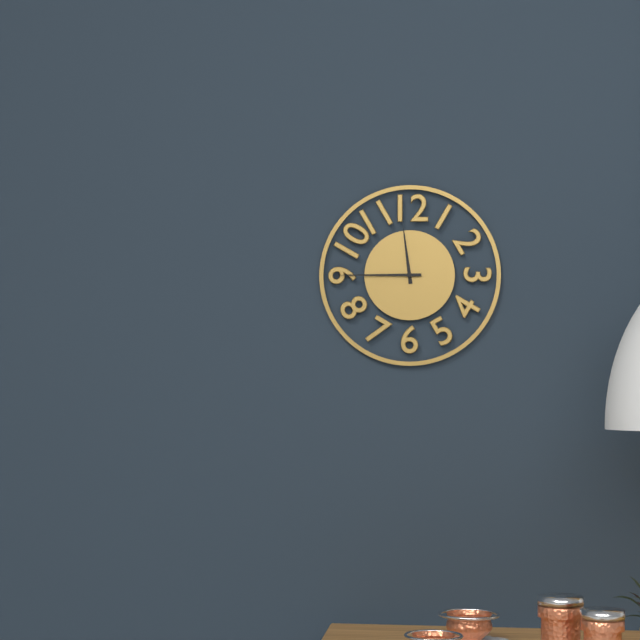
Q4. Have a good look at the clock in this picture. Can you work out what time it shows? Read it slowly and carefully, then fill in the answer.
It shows 11:45
